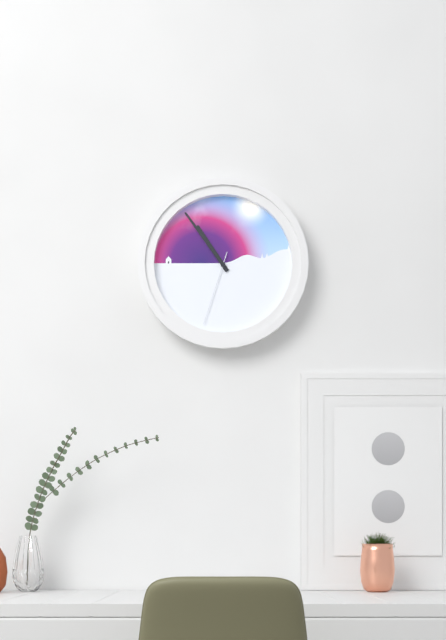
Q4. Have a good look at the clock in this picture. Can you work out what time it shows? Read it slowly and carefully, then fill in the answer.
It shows 10:54:33
